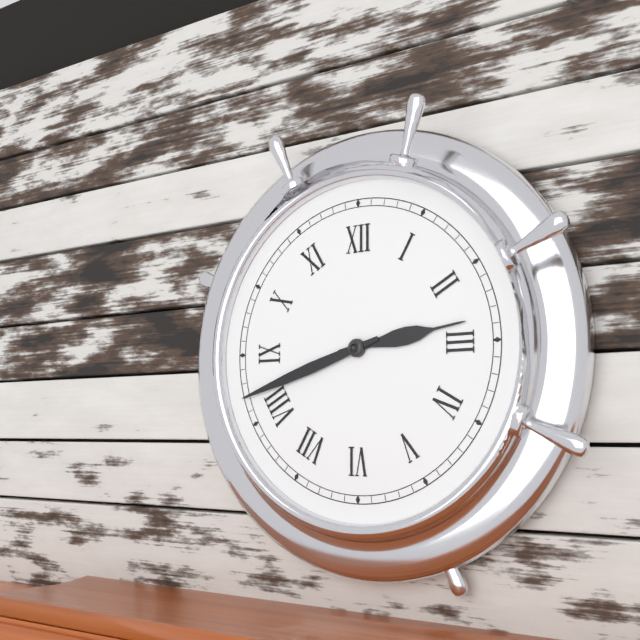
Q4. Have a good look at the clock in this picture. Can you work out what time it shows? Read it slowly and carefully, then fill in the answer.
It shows 2:42
